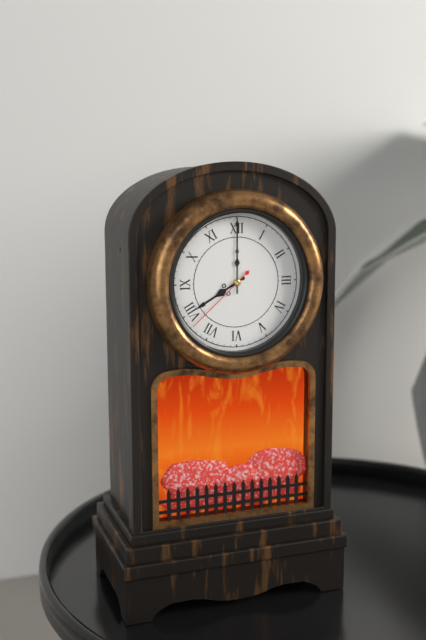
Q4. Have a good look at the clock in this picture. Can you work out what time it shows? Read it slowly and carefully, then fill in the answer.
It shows 8:00:38
